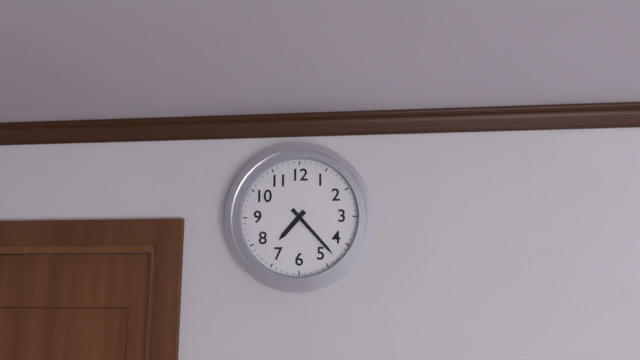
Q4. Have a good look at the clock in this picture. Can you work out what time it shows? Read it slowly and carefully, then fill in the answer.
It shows 7:23
